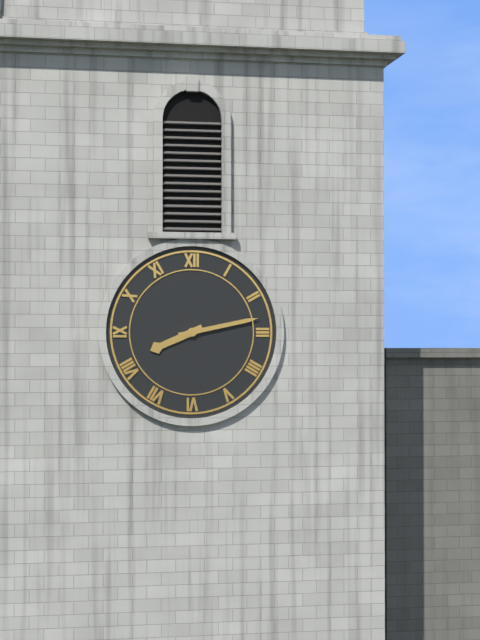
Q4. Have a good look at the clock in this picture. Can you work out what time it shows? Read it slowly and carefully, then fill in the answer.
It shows 8:13
